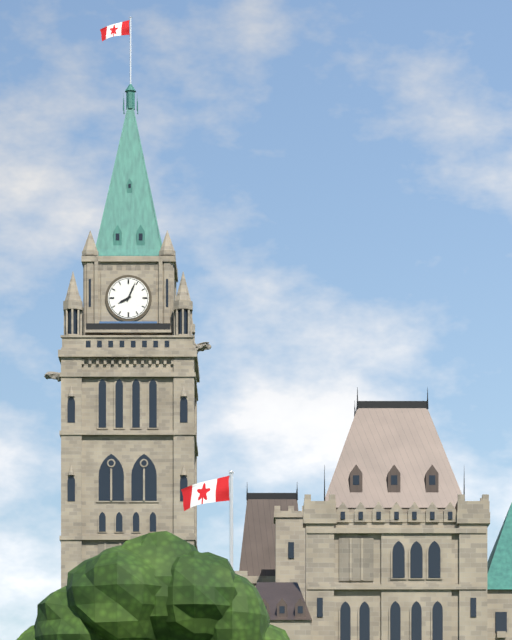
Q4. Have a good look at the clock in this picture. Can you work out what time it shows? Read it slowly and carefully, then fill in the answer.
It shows 8:04
